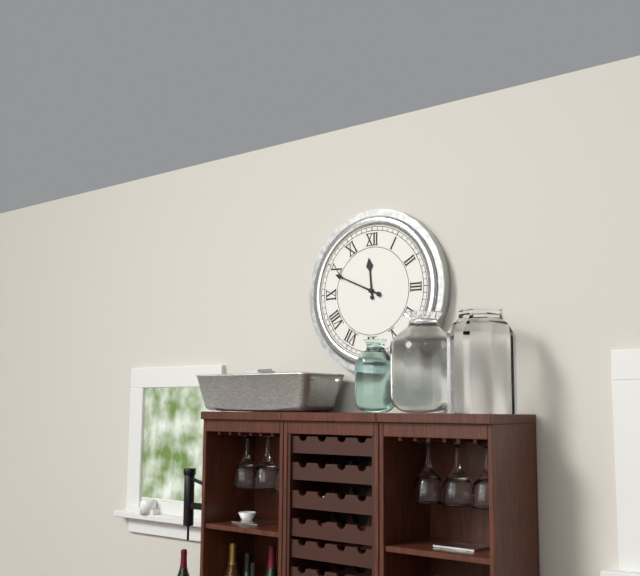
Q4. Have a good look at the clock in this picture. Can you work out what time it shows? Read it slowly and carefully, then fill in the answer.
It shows 11:49
